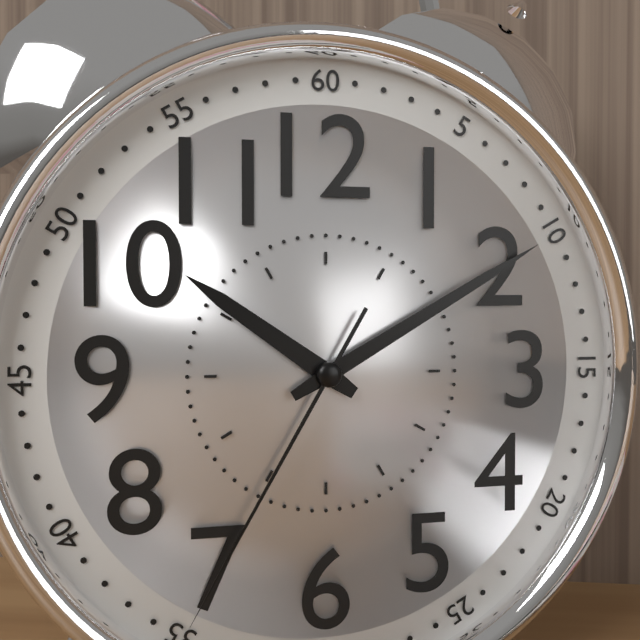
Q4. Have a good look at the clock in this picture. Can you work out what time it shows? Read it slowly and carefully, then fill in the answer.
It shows 10:10:35
